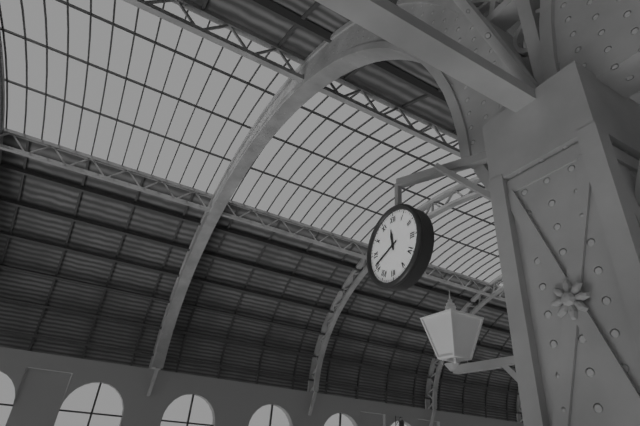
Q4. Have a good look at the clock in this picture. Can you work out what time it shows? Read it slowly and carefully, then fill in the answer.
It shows 11:41
